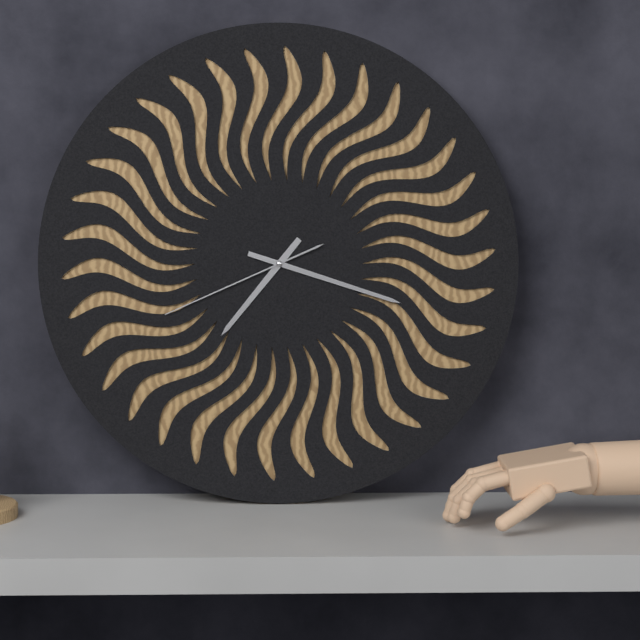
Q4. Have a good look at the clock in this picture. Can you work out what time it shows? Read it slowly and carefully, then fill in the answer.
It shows 7:18:41
